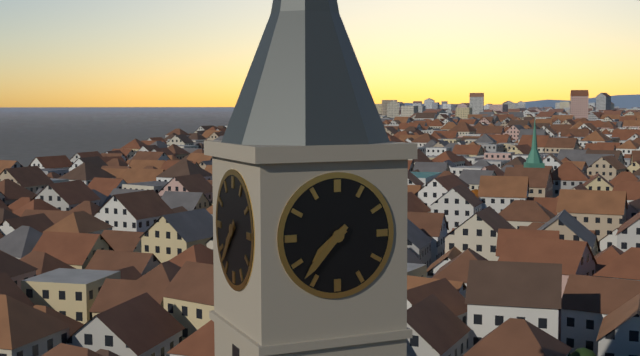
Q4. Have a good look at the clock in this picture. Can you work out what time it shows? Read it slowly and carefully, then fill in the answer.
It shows 7:37
